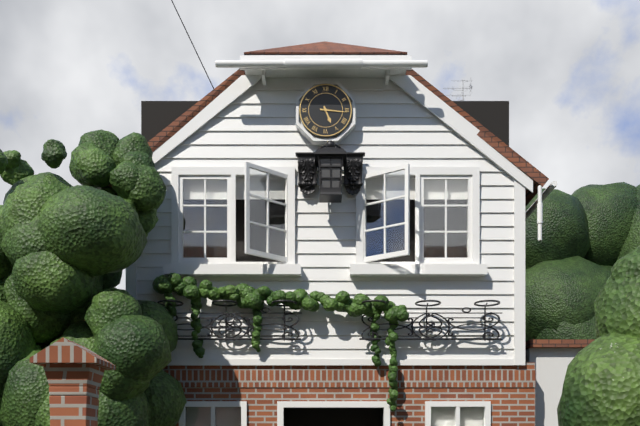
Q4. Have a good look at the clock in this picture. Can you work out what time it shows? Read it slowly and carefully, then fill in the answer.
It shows 5:16
